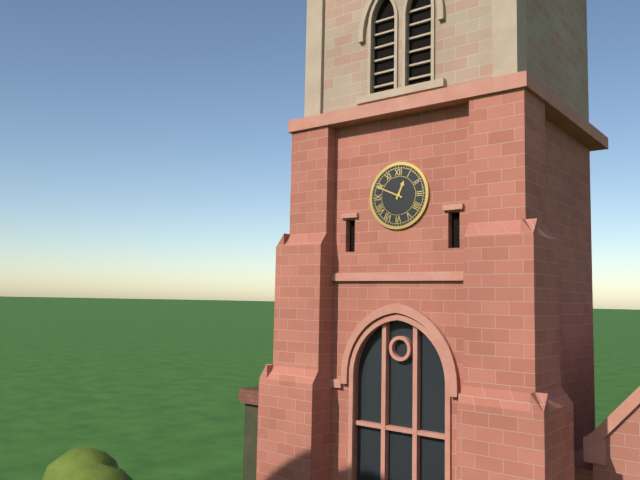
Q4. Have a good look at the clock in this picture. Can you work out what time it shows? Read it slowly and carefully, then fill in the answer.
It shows 12:49
